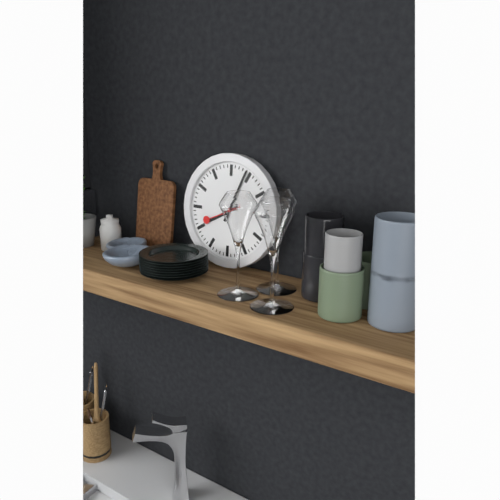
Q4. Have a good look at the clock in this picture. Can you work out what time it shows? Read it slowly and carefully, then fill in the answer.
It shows 8:04
